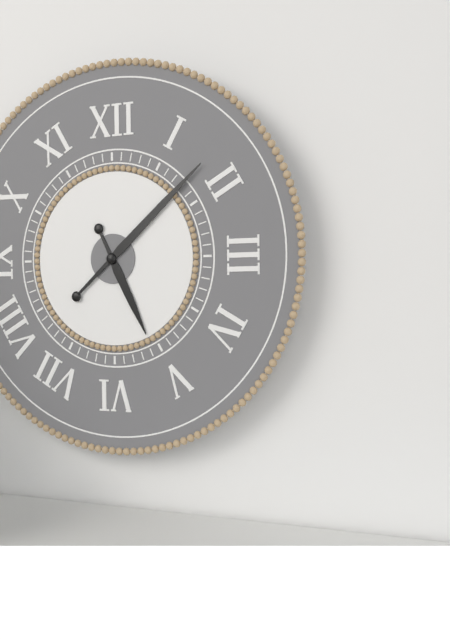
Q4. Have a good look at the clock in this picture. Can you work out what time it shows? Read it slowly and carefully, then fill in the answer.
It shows 5:08
